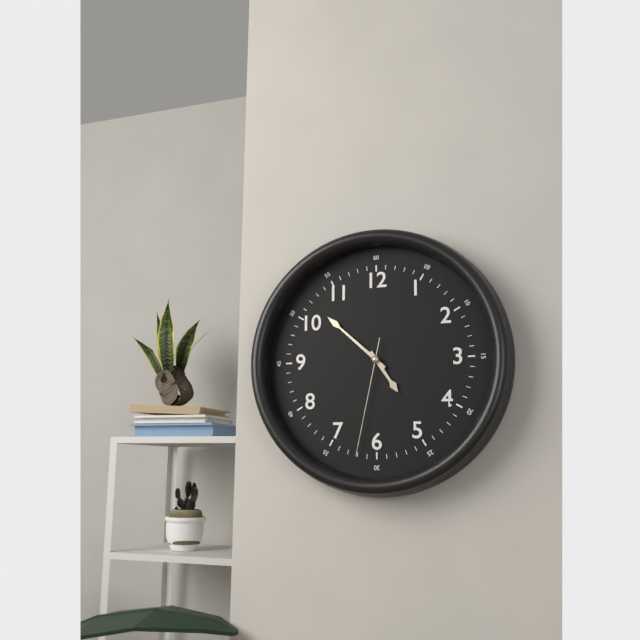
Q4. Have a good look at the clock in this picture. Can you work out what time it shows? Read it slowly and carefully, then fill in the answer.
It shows 4:52:32
